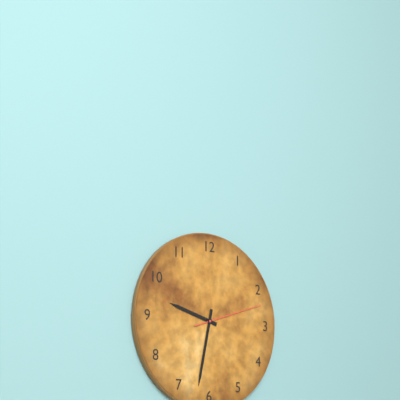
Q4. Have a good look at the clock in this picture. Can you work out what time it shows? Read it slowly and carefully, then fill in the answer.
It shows 9:32:12
